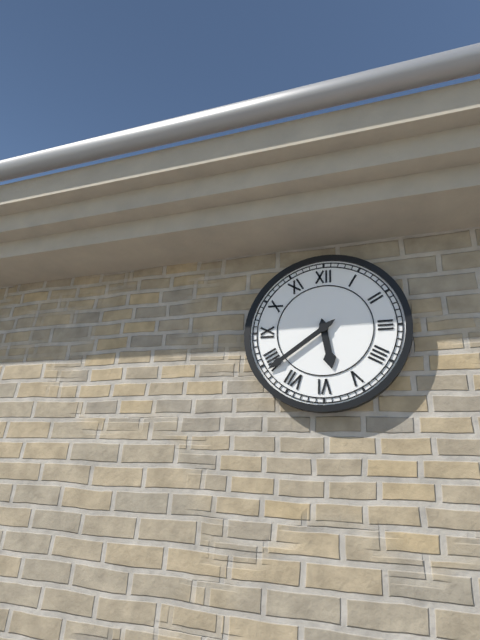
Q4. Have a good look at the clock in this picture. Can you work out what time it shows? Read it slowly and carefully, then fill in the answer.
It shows 5:39
